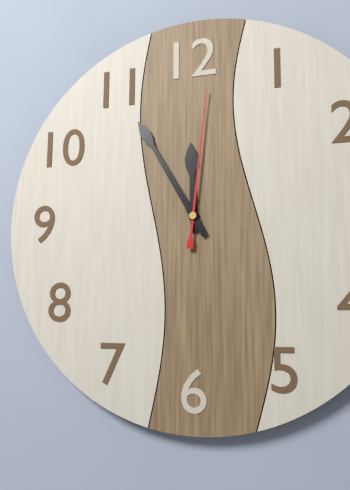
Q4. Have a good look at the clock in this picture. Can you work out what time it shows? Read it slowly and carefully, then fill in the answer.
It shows 11:55:01
